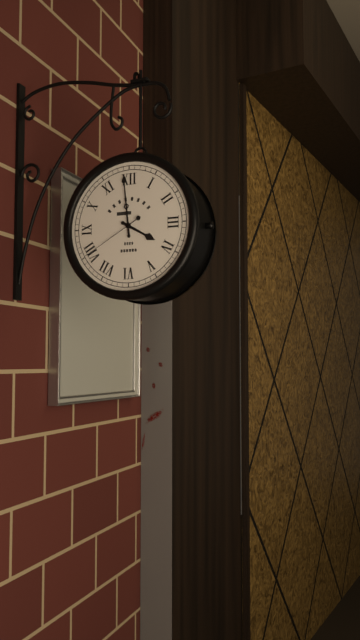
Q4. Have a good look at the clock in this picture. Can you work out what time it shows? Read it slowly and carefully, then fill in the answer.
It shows 3:59:40
